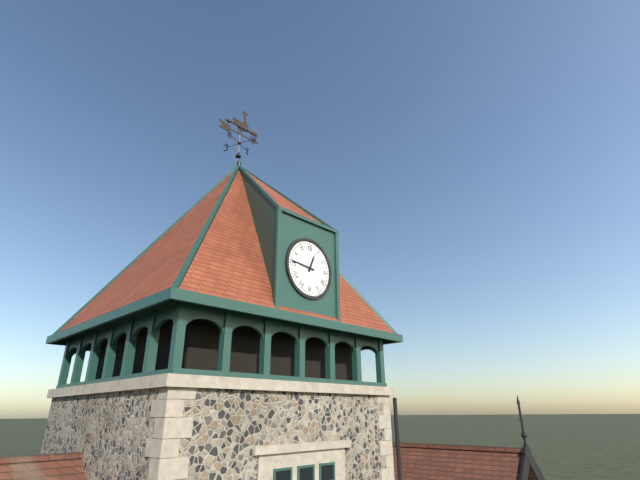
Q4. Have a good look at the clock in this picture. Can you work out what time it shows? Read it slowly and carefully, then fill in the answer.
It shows 12:46
